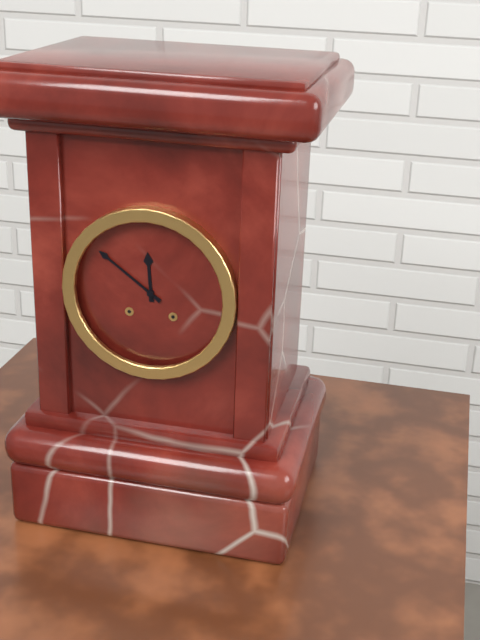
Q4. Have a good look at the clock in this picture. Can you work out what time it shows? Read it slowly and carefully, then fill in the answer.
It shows 11:51
